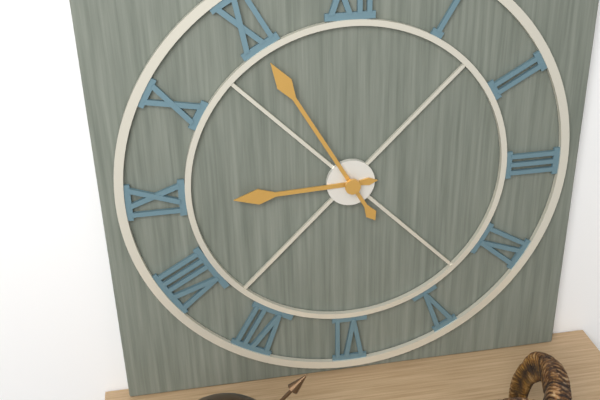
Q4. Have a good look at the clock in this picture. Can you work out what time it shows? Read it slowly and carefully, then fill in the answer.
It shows 8:55
